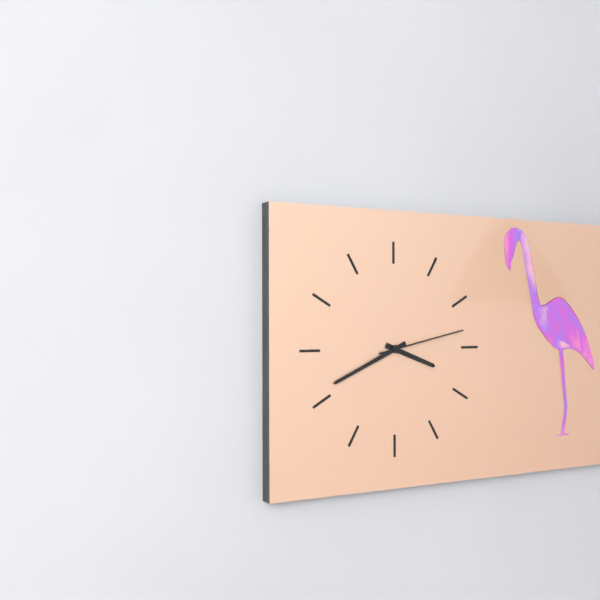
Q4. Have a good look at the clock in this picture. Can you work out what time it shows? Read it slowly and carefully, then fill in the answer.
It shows 3:41:13
